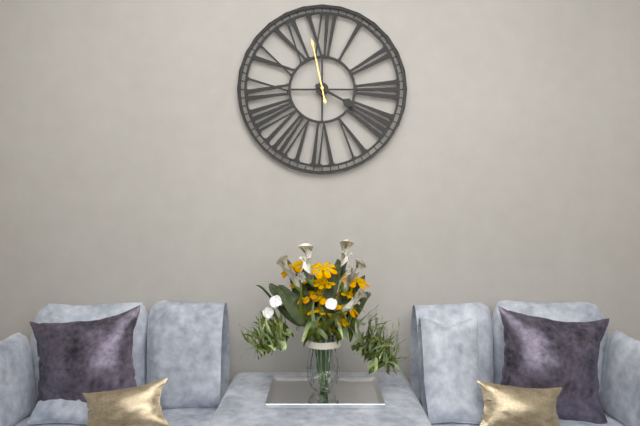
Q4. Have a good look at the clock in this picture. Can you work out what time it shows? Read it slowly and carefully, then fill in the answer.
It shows 3:58
